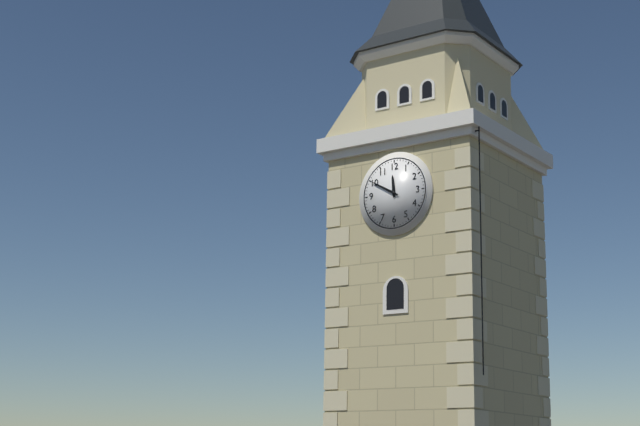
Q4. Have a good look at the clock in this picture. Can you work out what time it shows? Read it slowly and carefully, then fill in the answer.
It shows 11:50
